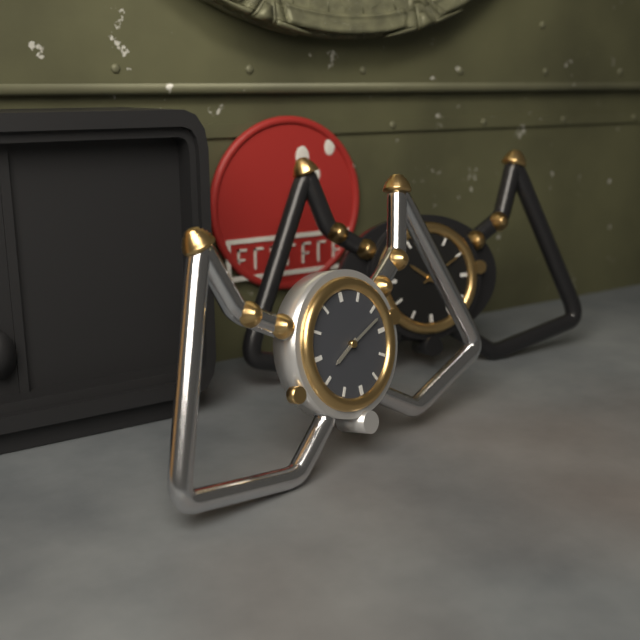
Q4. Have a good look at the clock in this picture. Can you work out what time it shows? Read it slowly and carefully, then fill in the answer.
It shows 8:12
